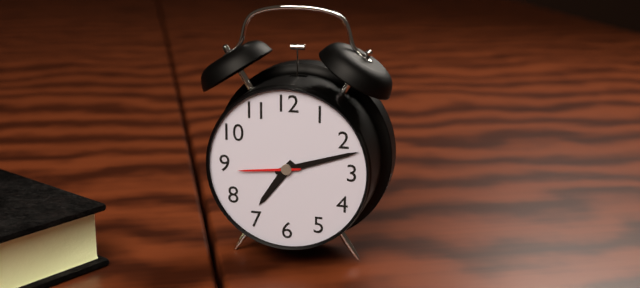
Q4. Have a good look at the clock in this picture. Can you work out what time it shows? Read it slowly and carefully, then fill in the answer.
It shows 7:12:44
